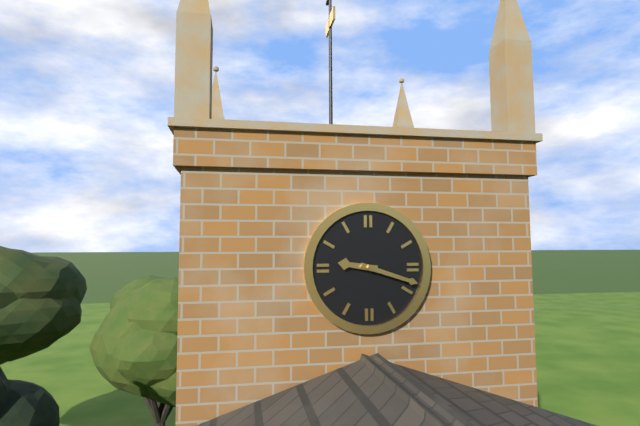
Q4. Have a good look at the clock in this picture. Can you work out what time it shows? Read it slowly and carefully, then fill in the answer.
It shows 9:18
